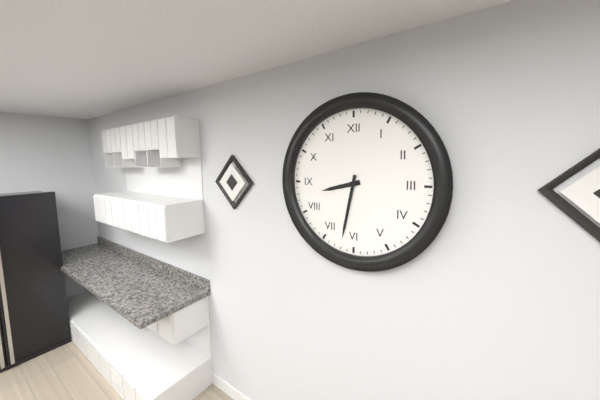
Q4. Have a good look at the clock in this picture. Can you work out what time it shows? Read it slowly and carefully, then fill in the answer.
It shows 8:32
